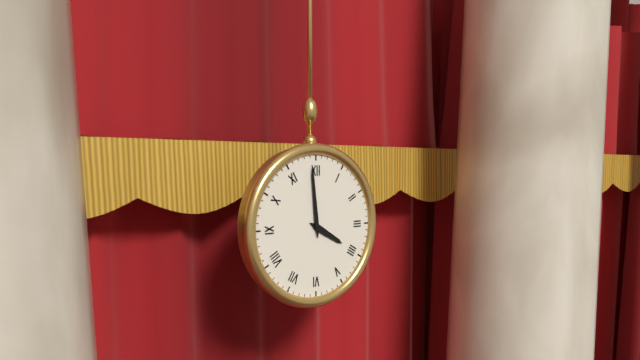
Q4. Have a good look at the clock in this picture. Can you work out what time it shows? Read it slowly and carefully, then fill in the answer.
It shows 3:59
